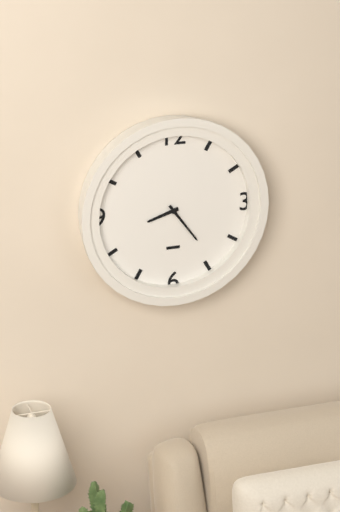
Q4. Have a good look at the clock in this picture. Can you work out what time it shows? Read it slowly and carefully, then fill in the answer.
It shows 8:24
